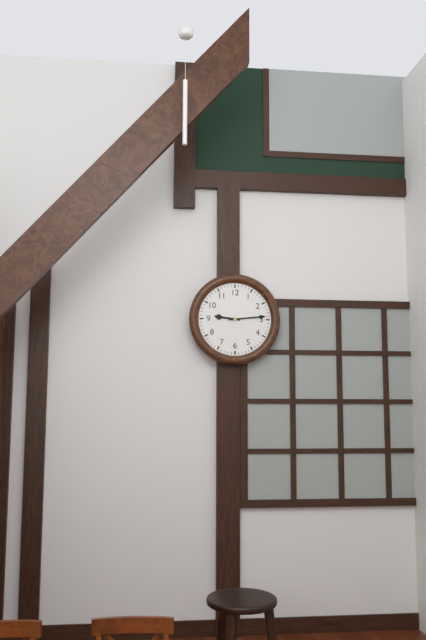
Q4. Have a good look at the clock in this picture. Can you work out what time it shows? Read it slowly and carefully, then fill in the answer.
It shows 9:14
